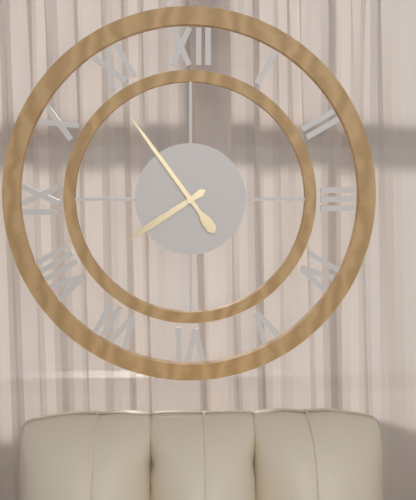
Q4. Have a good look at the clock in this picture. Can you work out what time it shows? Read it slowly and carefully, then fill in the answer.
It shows 7:54
